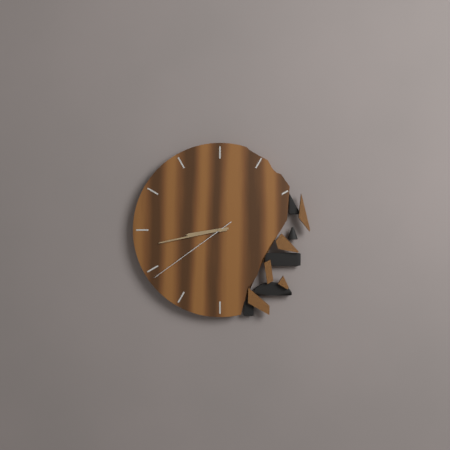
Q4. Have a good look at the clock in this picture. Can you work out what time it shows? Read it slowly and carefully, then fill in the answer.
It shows 8:43:39
